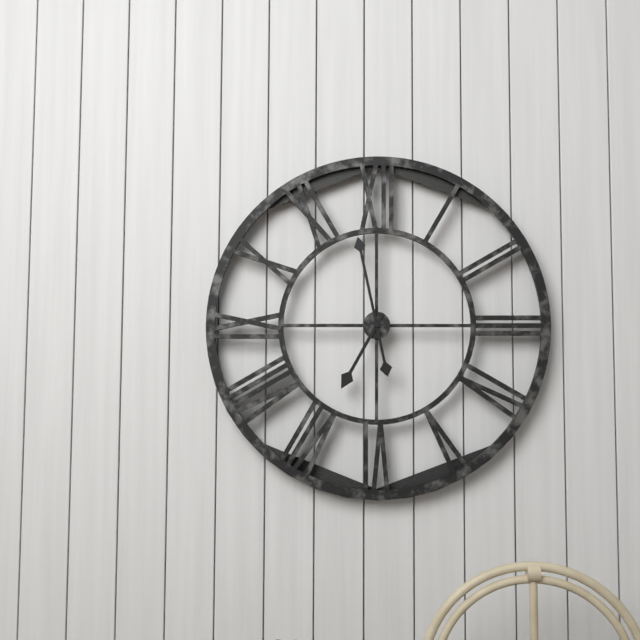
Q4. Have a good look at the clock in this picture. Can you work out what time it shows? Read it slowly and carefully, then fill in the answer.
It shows 6:58
